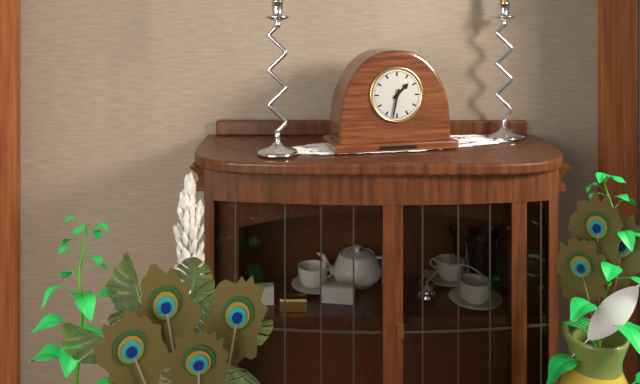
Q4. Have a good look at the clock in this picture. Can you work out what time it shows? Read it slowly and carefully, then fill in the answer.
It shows 1:32
